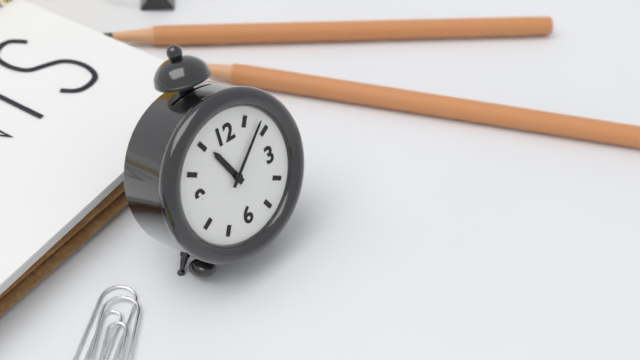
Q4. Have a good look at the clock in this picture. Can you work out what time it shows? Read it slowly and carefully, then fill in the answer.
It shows 11:08
